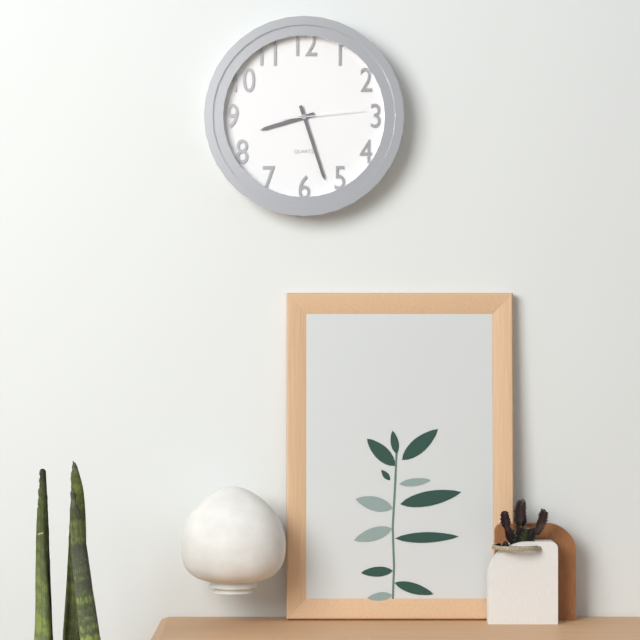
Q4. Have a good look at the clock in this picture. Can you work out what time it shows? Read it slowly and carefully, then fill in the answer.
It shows 8:27:14
